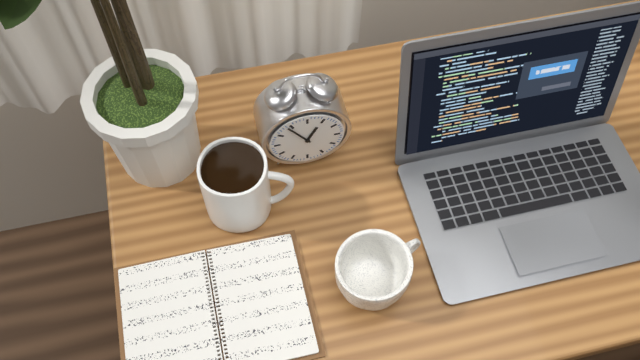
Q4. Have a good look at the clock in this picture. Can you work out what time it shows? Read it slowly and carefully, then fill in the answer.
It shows 12:54
